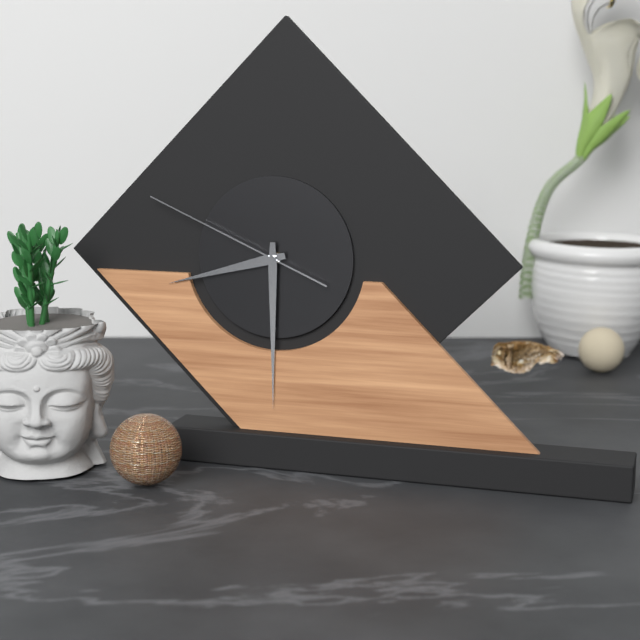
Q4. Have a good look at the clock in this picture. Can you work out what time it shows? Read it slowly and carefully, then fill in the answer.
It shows 8:30:49
